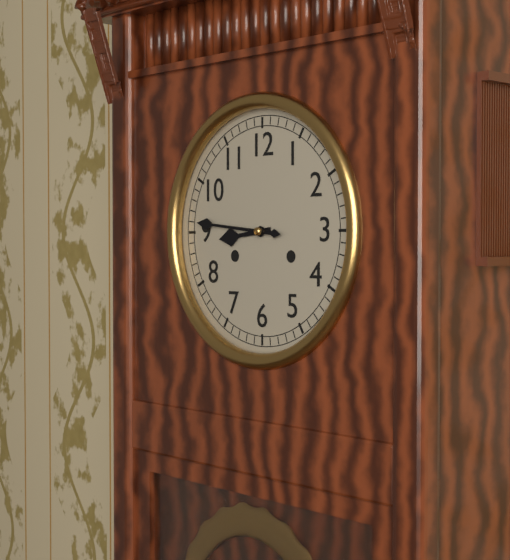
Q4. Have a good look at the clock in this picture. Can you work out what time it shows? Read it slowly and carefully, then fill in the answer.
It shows 8:46
